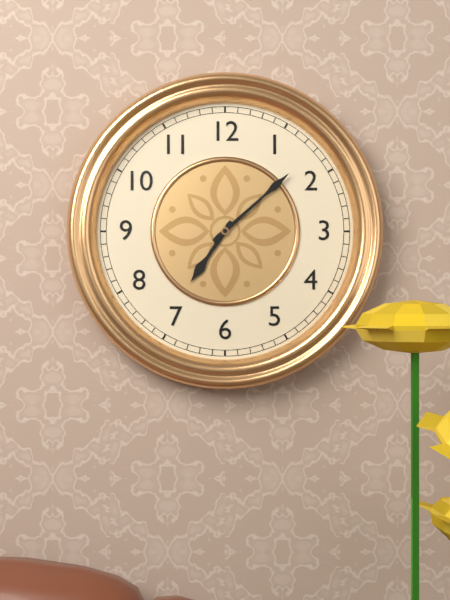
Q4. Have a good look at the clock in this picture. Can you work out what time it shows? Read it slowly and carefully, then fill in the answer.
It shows 7:08
